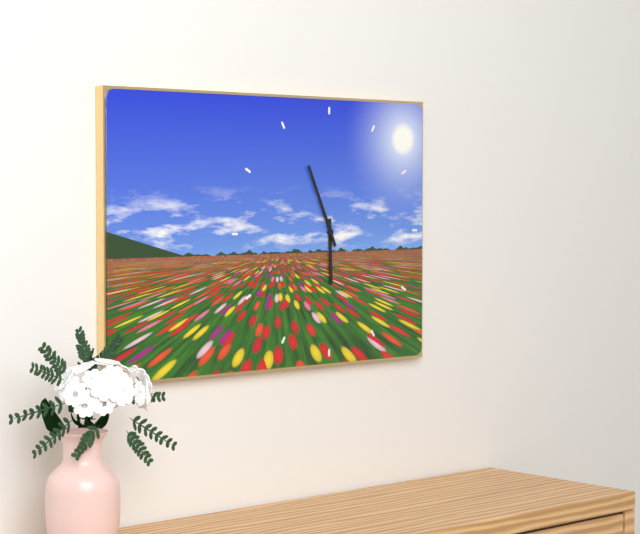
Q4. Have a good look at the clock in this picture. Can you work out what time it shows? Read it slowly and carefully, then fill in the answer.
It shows 5:56
